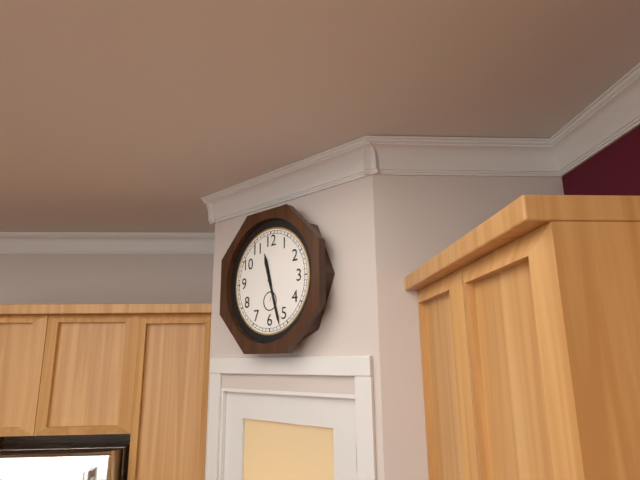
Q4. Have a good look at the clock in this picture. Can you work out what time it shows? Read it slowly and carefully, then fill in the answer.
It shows 11:27
